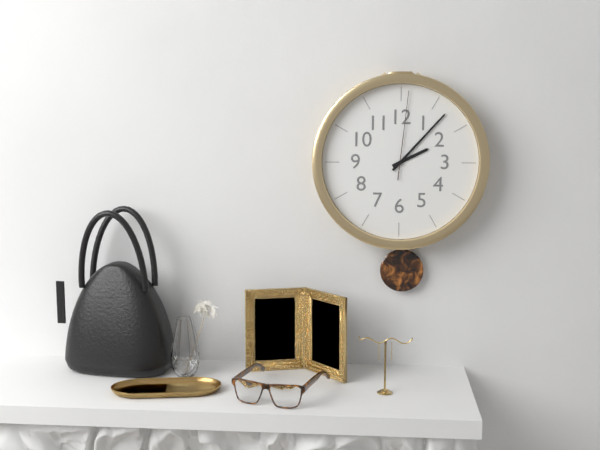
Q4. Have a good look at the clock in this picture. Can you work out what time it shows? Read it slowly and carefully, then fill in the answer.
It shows 2:07:01
